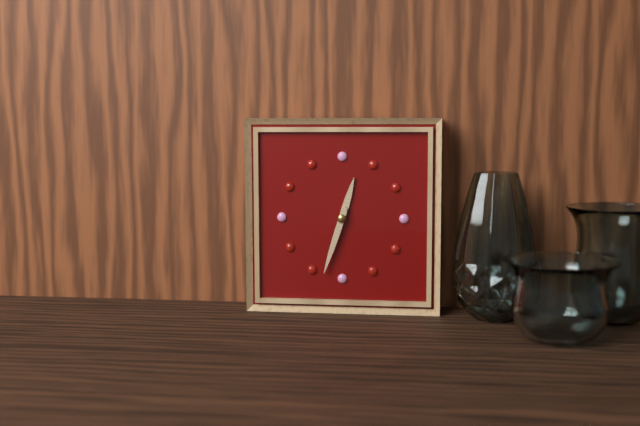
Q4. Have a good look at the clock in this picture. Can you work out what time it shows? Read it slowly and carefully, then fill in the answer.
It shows 12:33
